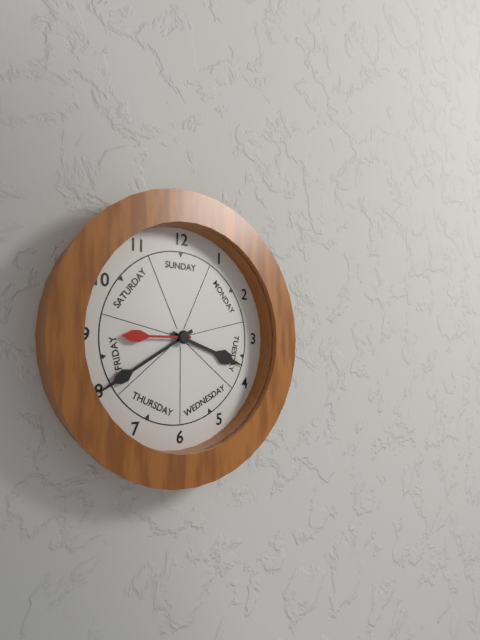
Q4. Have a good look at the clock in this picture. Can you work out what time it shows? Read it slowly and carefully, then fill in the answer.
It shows 3:40:45
